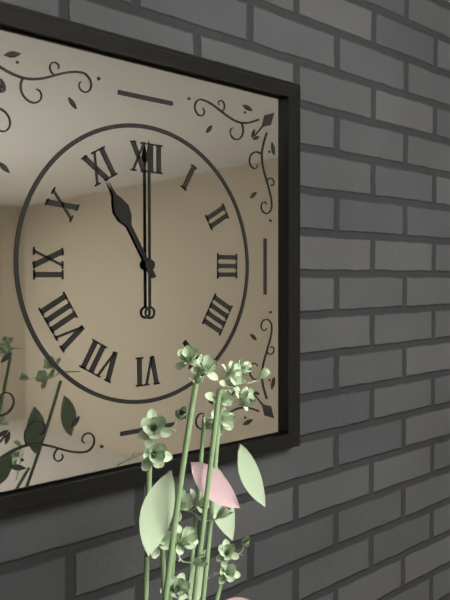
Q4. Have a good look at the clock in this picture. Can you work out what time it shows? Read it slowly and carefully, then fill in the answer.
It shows 11:00
